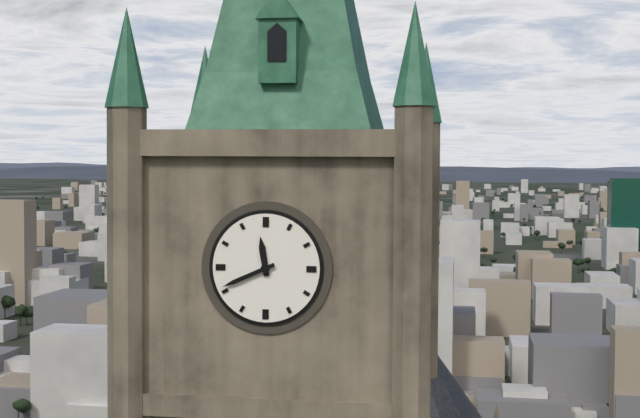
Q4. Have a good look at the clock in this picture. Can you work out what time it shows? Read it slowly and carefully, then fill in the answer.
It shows 11:41
